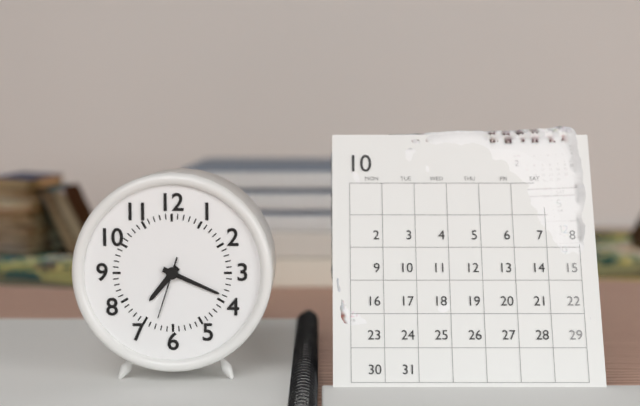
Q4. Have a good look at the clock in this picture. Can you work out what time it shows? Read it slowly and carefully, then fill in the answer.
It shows 7:19:33
